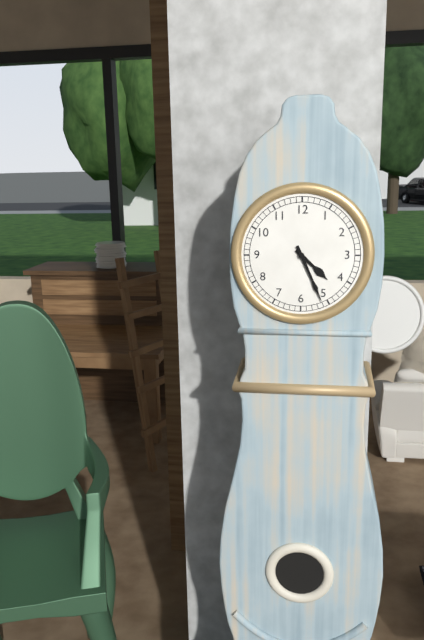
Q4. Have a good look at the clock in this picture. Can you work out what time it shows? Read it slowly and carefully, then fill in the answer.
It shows 4:26
